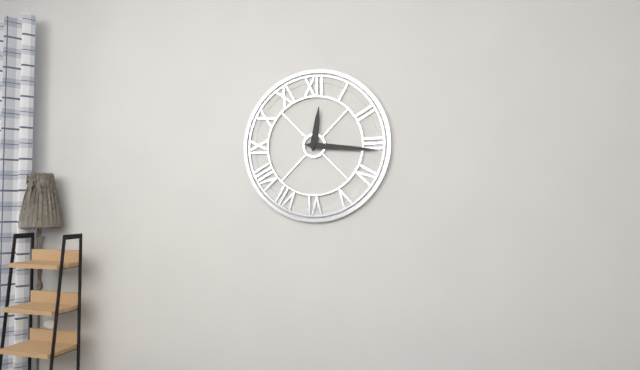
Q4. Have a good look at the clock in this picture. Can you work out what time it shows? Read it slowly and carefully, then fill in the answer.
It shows 12:16
